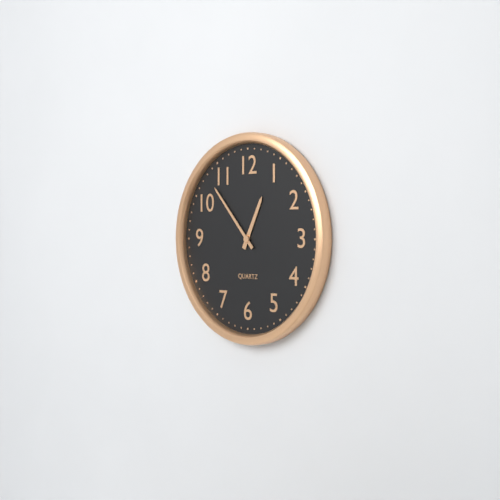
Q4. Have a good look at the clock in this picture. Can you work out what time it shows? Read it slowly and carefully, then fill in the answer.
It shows 12:53
